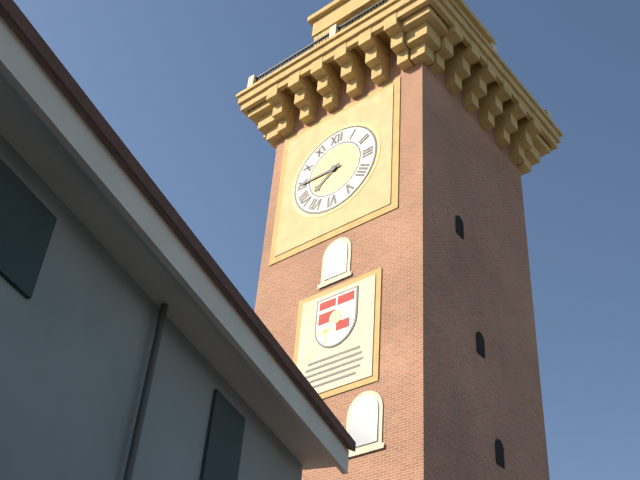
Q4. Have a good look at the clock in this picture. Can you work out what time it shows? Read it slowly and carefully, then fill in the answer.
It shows 7:45
